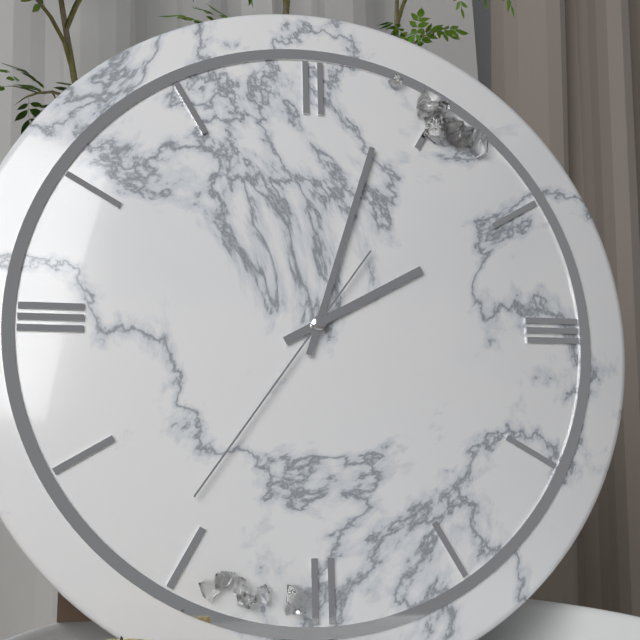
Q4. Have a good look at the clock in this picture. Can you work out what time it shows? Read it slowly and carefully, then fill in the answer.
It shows 2:03:36
